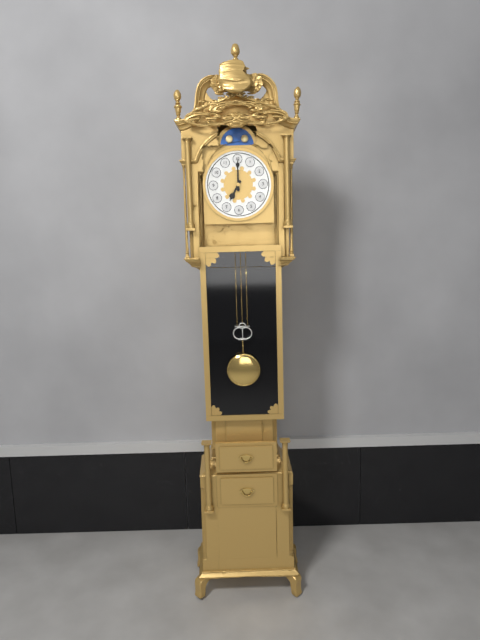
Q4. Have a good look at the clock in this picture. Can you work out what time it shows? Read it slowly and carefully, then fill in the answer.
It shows 7:00
